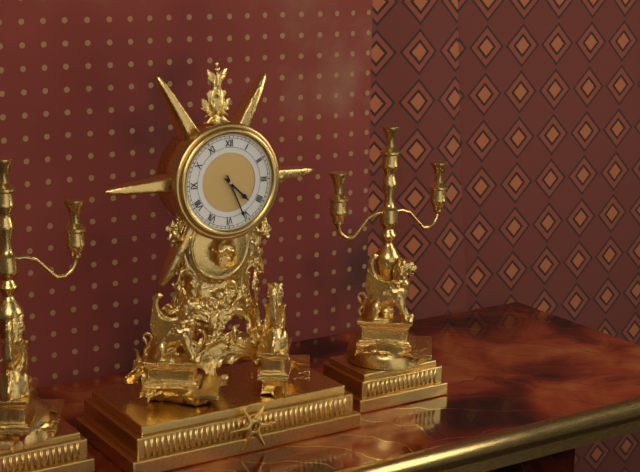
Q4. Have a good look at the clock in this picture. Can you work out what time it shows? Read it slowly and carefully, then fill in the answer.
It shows 4:26
